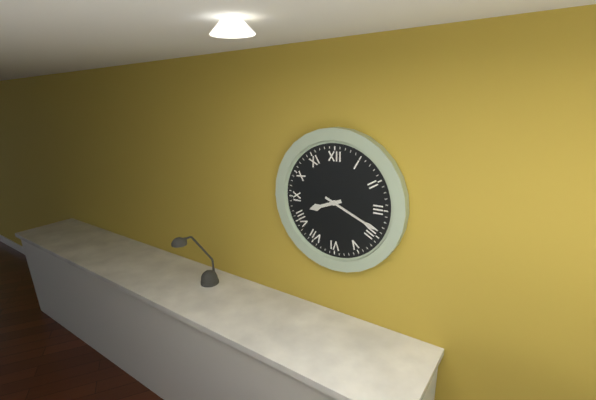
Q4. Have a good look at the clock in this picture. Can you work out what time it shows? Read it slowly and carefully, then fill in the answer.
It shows 8:19
